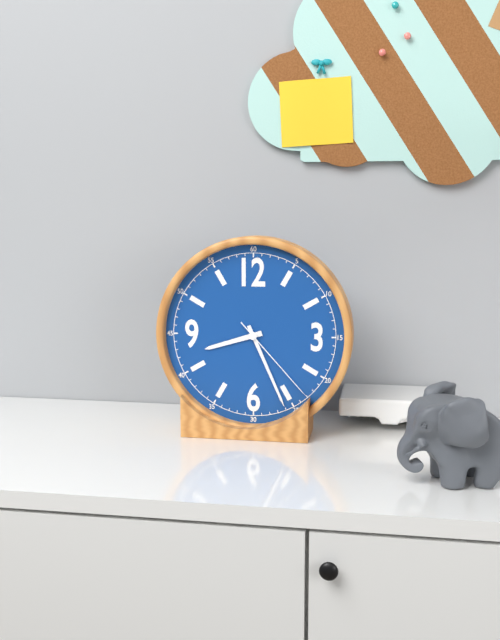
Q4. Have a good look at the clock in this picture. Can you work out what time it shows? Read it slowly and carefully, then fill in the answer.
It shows 8:26:23
